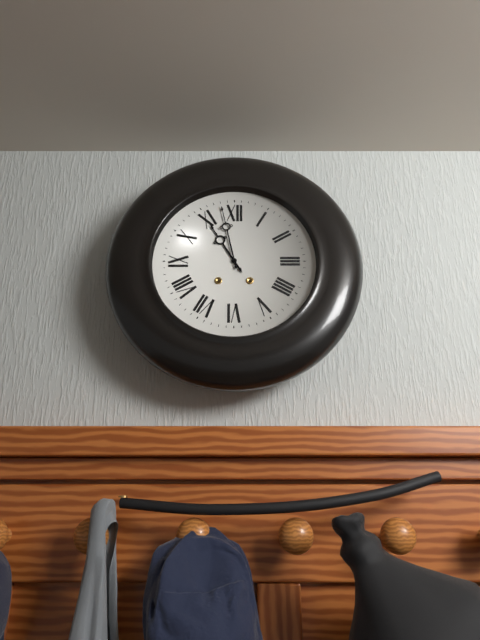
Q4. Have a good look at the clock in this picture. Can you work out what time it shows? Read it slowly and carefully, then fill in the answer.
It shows 10:58
